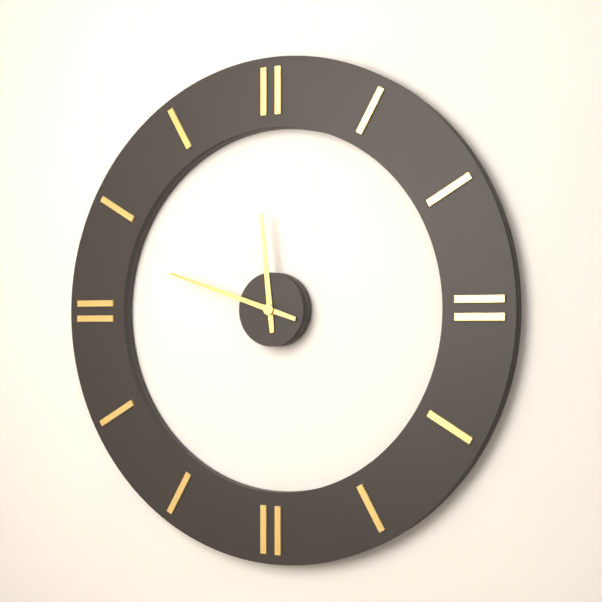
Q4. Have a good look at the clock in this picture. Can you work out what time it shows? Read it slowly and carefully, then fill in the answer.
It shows 11:48
